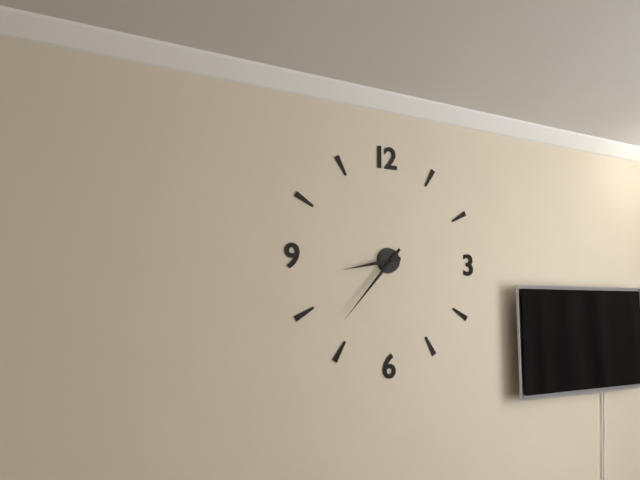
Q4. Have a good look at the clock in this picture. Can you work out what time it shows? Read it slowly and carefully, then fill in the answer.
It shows 8:37
